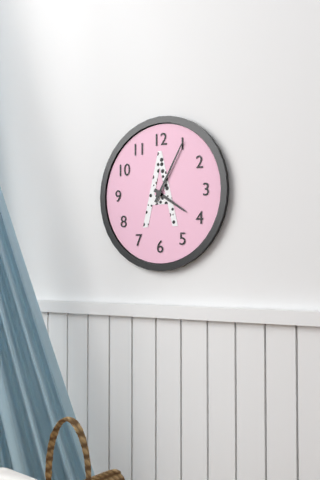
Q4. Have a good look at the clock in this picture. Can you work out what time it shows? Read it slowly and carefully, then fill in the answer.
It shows 4:05
